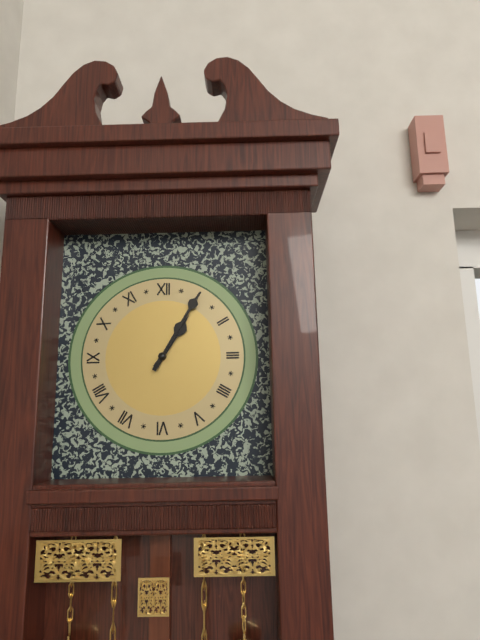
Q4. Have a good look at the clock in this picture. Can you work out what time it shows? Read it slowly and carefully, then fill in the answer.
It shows 1:05
